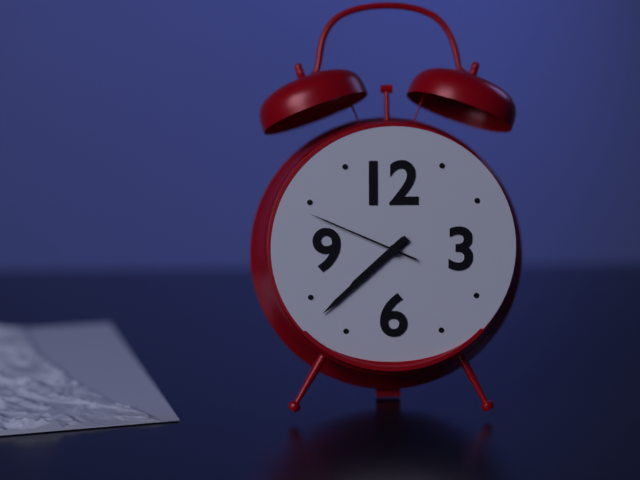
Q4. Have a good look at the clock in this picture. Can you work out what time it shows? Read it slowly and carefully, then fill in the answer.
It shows 7:38:49
